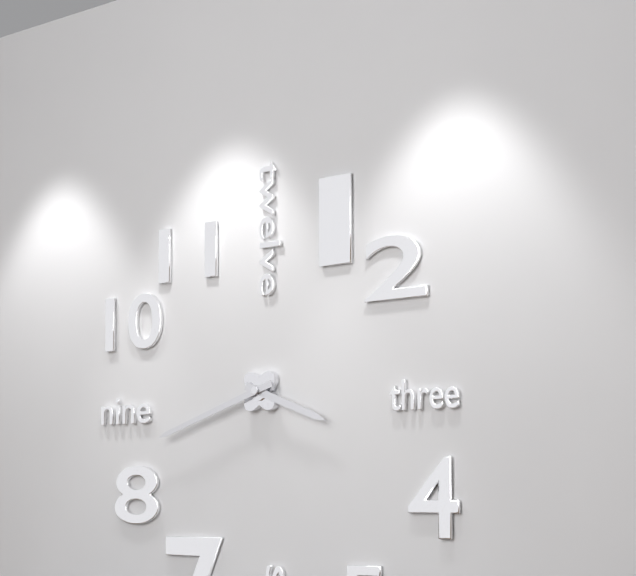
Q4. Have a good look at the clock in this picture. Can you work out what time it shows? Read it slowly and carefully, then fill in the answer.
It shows 3:42
